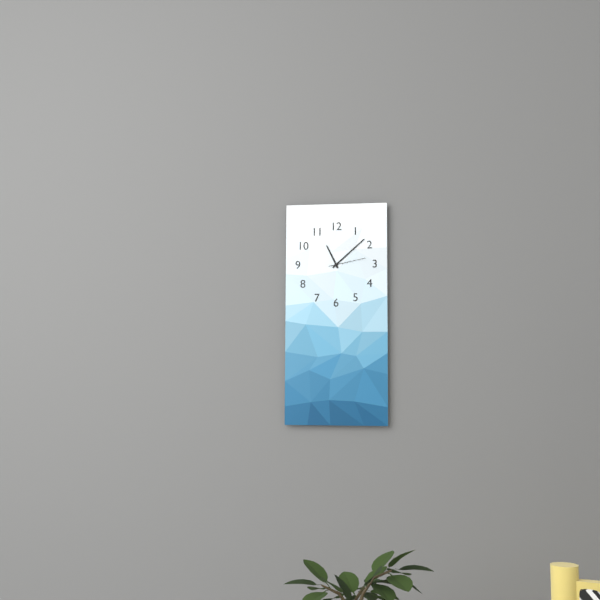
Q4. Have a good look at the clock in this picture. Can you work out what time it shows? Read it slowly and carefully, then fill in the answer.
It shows 11:08
